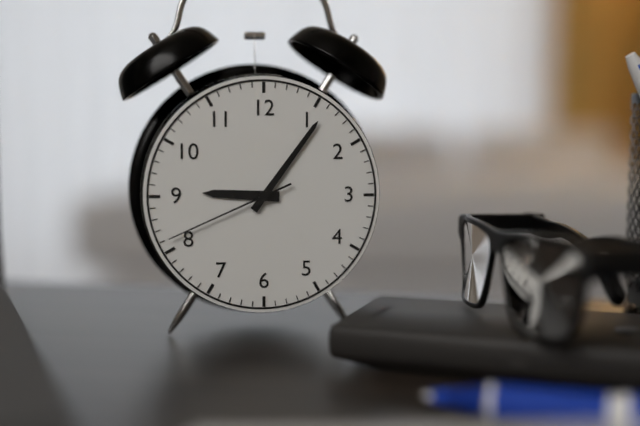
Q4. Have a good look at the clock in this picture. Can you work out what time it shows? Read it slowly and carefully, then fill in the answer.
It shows 9:06:41
